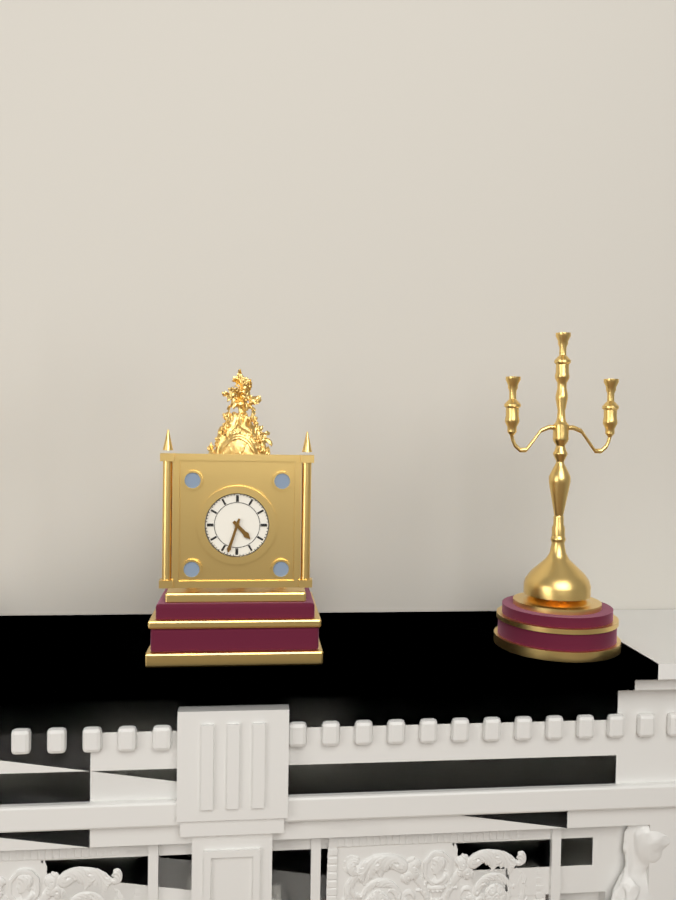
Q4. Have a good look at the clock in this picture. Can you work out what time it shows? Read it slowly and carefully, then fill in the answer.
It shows 4:33
